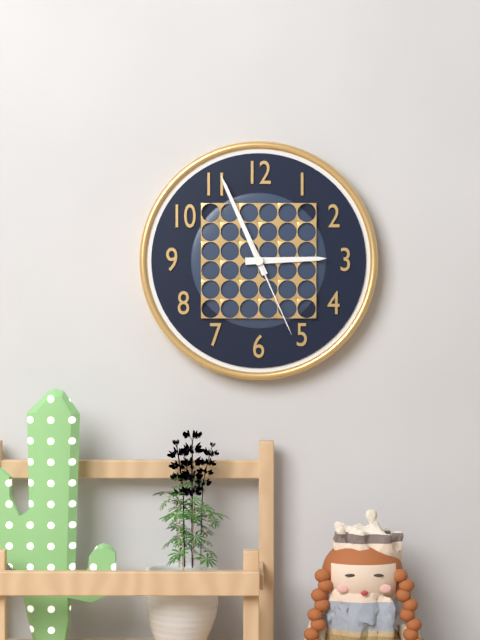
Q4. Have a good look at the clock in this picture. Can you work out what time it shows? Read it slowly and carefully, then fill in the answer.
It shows 2:56:26
